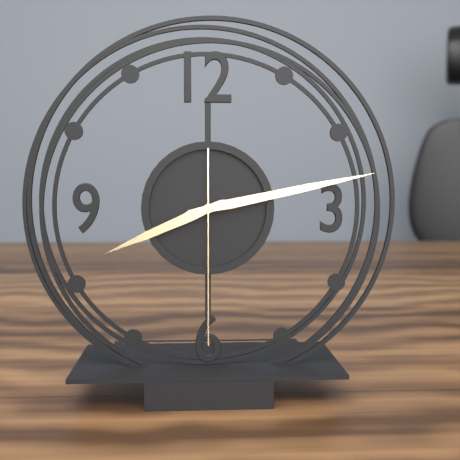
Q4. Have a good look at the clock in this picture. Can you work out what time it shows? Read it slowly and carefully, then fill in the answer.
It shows 8:13:30
